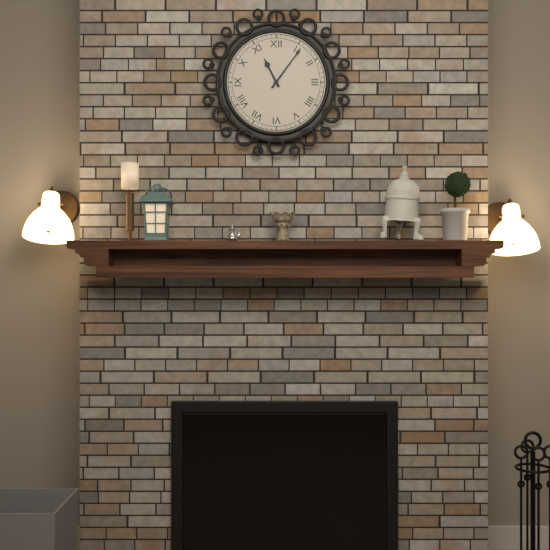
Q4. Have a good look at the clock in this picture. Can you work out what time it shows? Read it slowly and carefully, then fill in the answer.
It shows 11:06
